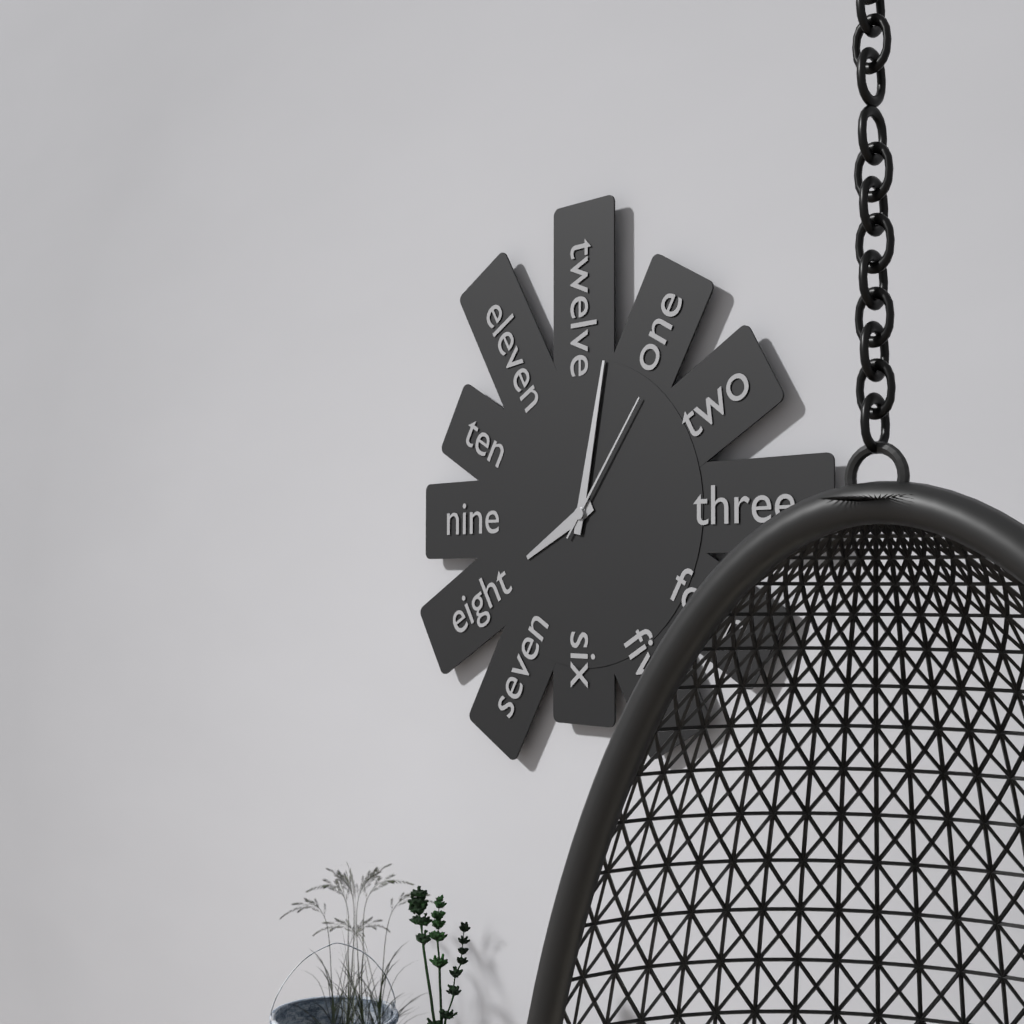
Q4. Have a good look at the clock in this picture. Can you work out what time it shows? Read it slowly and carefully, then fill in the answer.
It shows 8:02:06
